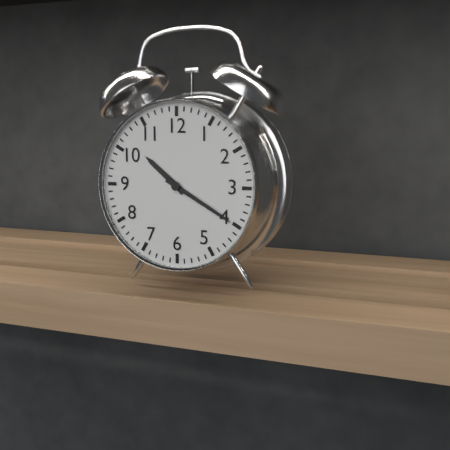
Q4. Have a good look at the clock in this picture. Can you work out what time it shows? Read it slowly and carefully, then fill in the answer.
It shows 10:20
